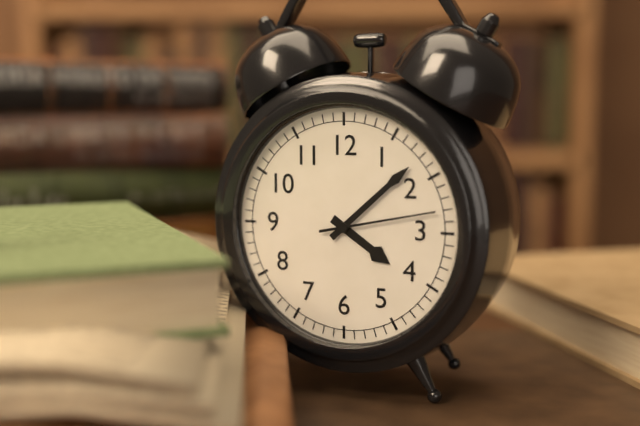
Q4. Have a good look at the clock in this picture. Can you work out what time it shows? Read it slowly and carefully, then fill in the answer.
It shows 4:08:13
